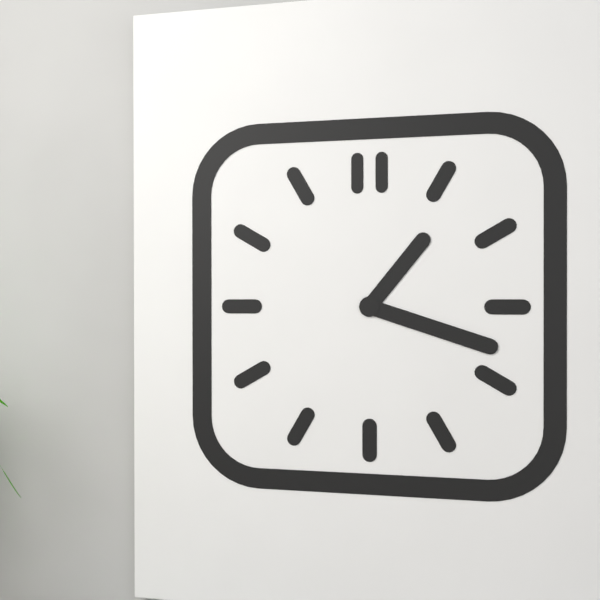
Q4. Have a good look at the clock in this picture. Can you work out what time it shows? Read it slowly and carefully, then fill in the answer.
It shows 1:18
